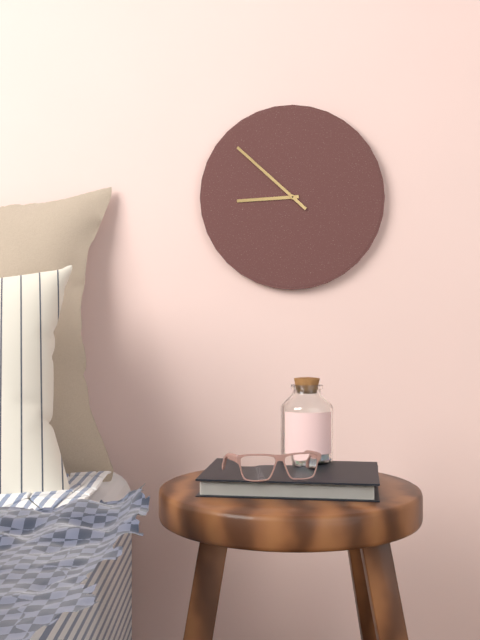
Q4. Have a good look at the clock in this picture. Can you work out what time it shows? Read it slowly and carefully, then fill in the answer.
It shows 8:52
